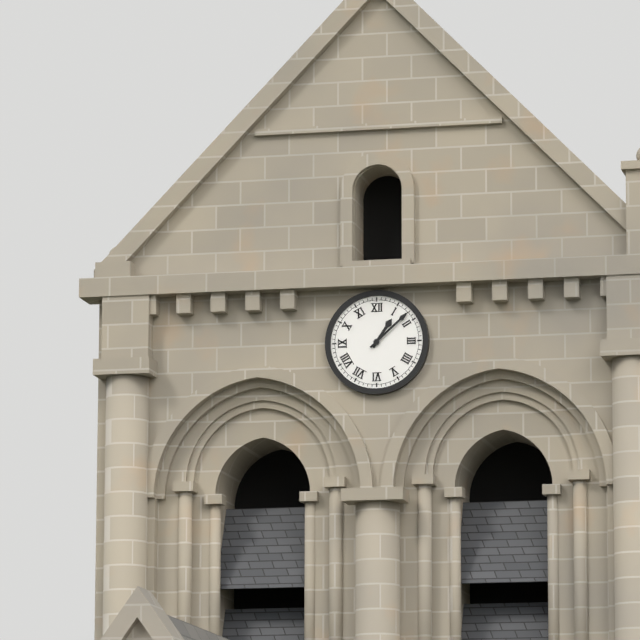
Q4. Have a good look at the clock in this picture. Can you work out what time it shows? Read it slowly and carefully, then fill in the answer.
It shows 1:08
